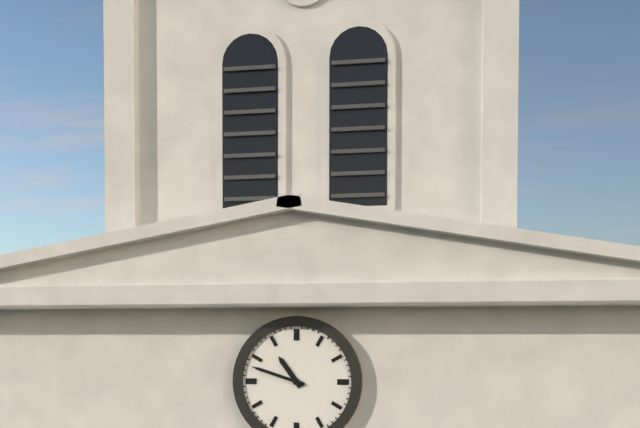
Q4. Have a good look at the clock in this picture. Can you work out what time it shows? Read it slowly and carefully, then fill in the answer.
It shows 10:48
